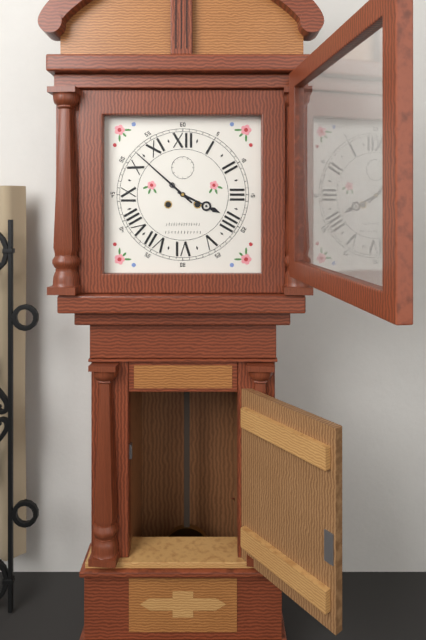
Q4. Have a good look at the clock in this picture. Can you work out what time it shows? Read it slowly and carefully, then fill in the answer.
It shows 3:52
